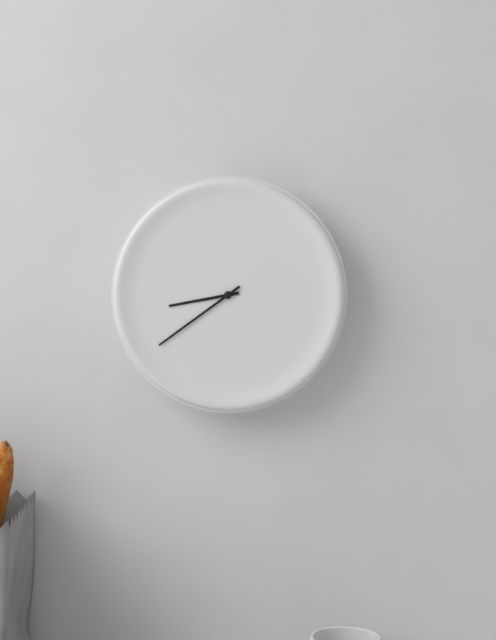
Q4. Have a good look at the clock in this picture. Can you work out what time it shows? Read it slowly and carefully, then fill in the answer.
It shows 8:39
